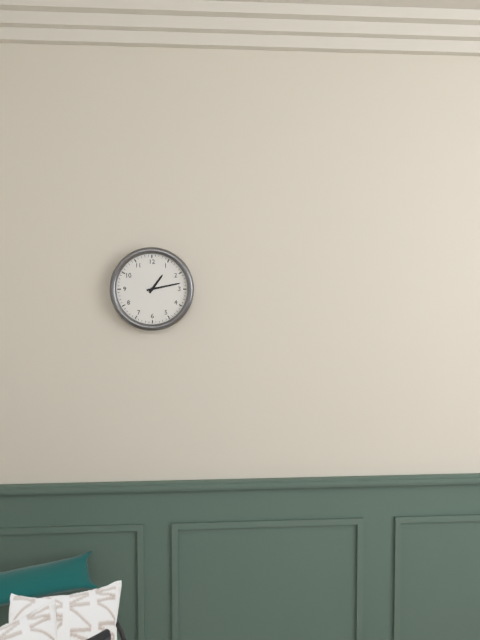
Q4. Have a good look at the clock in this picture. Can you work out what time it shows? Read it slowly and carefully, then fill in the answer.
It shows 1:13
